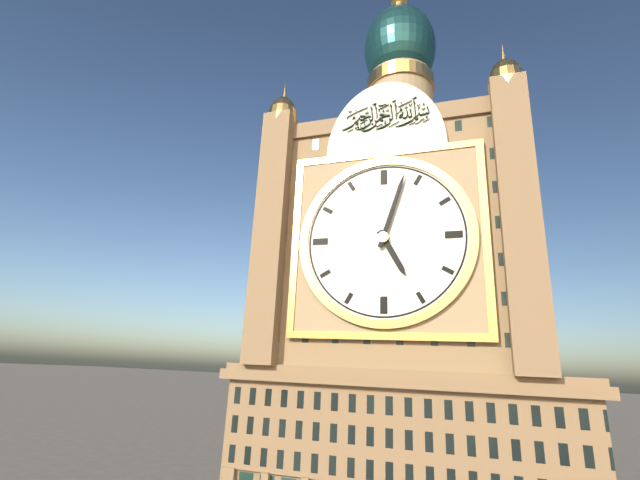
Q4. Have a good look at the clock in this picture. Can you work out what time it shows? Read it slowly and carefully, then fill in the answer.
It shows 5:03
